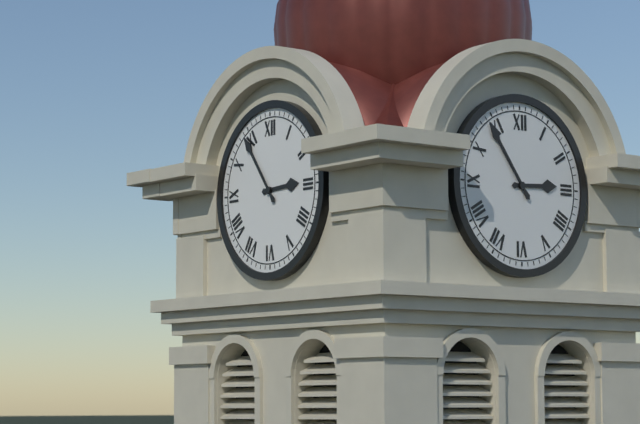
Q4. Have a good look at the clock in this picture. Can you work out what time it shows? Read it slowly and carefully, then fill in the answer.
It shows 2:54
